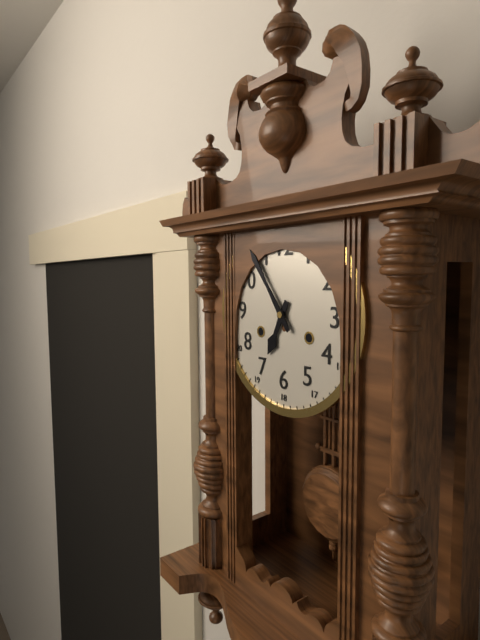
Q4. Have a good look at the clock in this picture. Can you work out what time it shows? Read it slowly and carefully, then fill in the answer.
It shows 6:54
